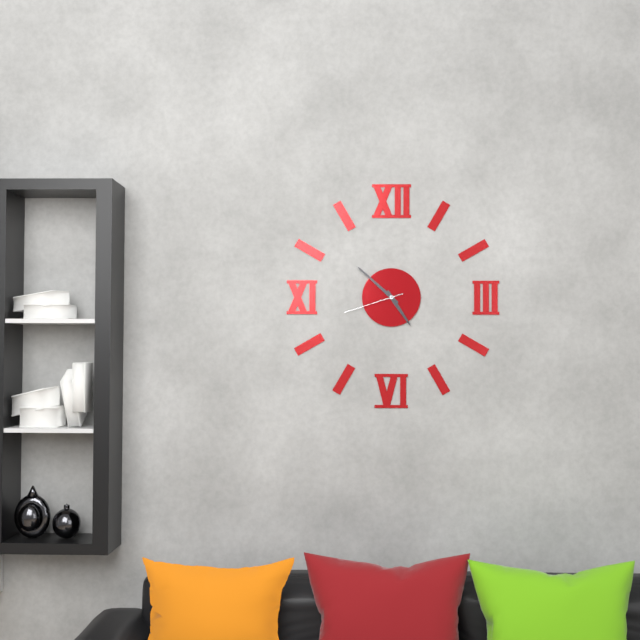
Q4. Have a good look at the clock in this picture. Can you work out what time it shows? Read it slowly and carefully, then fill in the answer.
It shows 4:52:42
